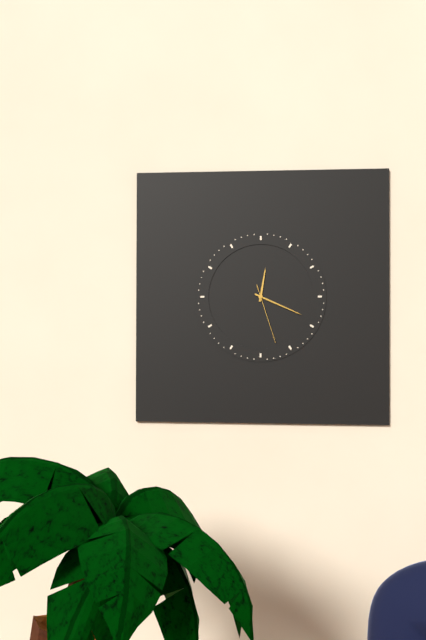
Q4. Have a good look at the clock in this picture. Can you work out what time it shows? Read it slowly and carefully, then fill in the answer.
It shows 12:19:27
